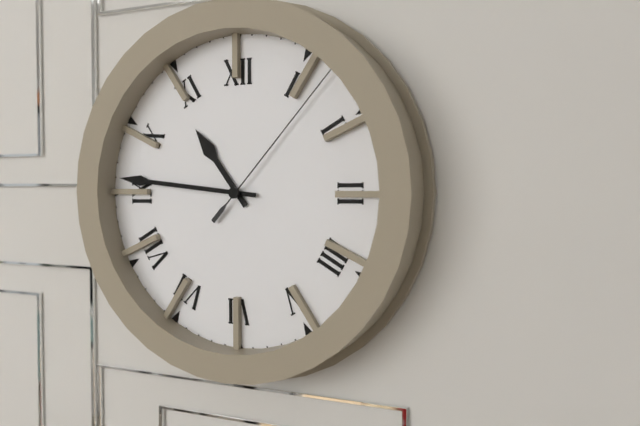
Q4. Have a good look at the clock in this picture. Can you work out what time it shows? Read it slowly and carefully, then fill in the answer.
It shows 10:46:07
